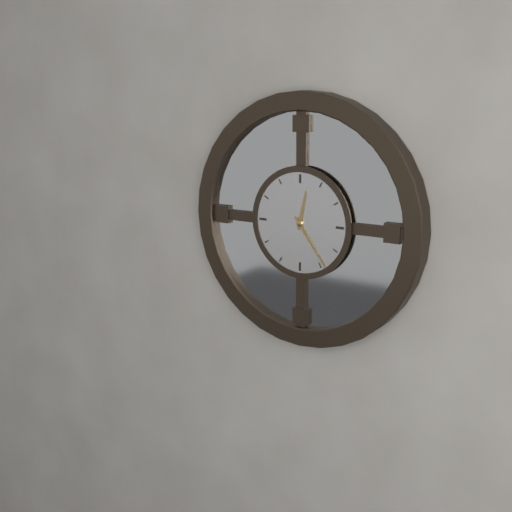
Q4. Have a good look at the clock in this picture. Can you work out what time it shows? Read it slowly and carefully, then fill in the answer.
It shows 12:24
